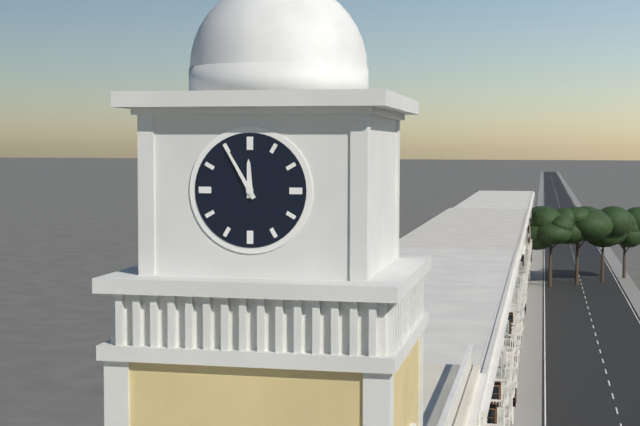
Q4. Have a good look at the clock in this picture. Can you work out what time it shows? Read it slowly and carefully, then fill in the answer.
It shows 11:55
